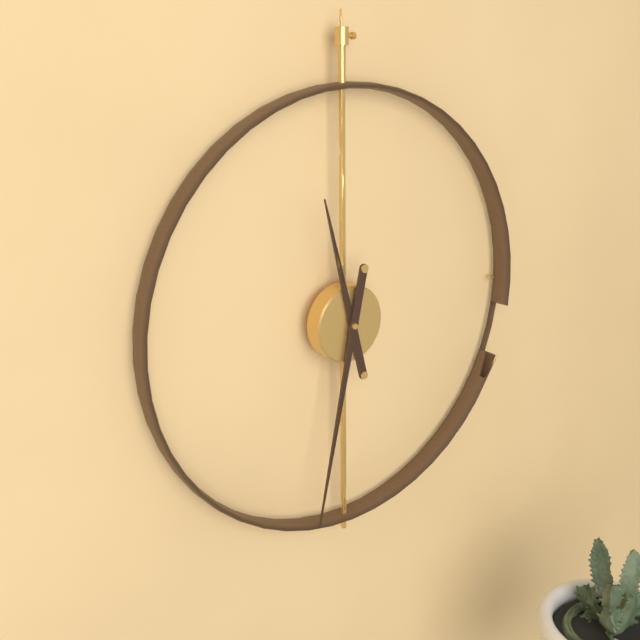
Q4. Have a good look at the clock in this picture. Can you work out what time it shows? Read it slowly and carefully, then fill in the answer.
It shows 11:32
